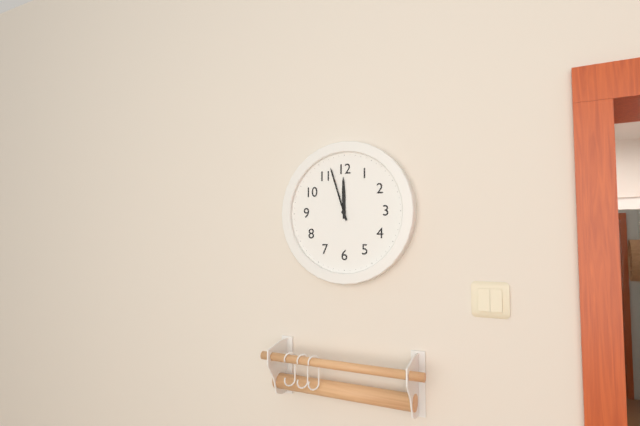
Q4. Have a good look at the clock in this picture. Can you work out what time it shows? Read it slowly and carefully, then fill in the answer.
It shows 11:57
